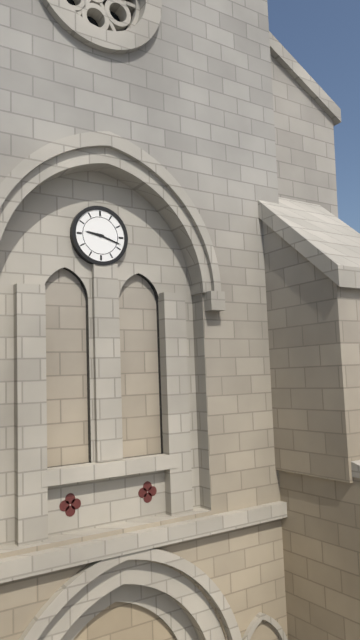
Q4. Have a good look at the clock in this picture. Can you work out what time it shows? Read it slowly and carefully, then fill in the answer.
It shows 9:18
